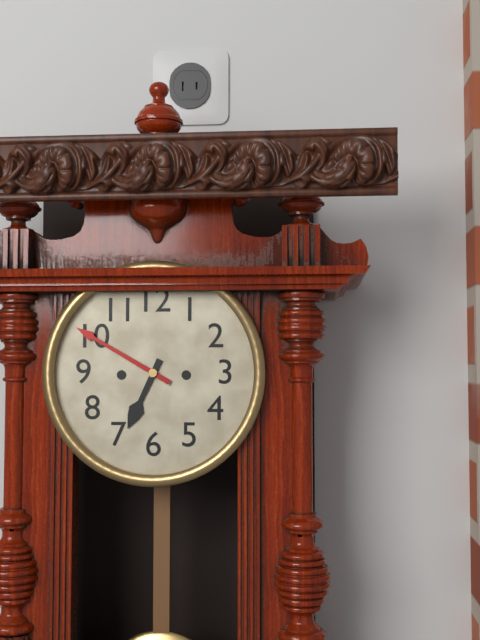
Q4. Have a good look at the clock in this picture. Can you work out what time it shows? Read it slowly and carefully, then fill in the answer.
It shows 6:50
